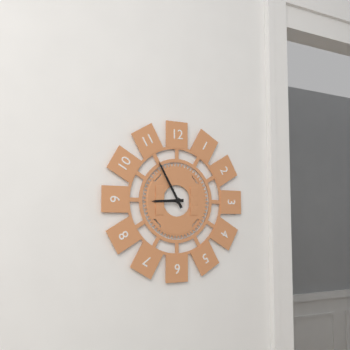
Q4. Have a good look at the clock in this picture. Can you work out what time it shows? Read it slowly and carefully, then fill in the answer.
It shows 8:55
